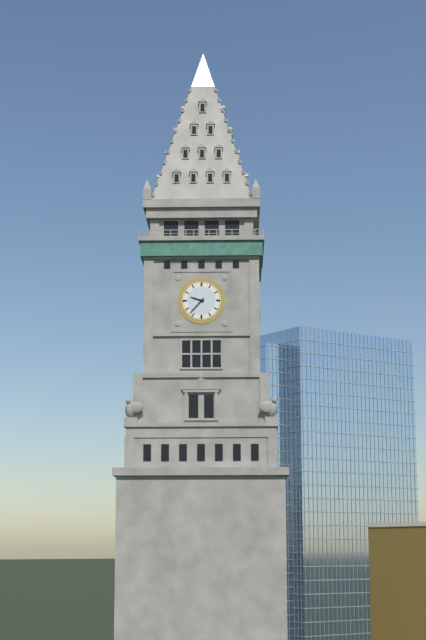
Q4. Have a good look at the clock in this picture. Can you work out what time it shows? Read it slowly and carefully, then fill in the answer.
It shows 9:37
